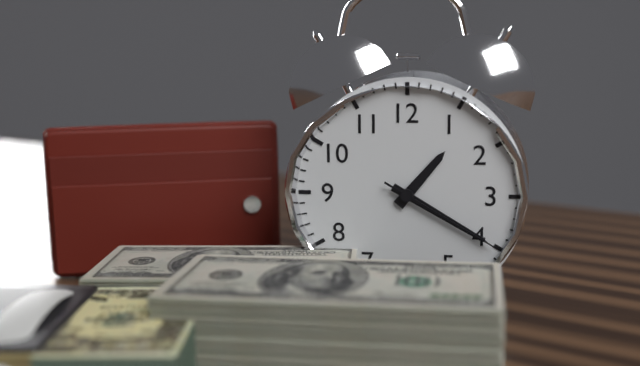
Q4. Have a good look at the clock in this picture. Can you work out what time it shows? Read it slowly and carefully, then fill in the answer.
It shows 1:20:20
